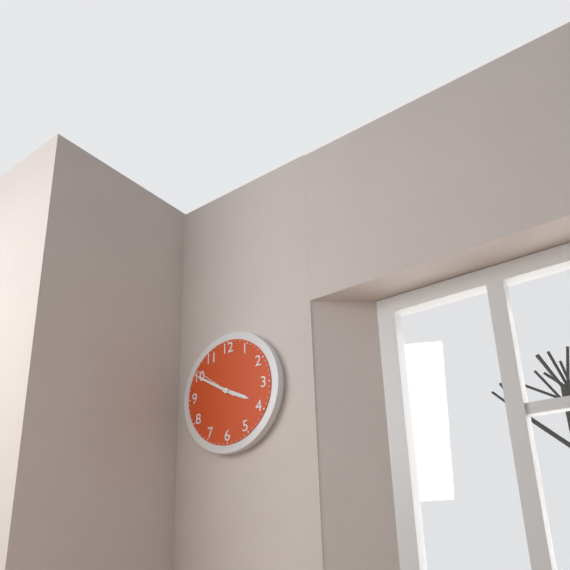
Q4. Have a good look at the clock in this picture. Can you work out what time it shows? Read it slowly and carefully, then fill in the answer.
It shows 3:50
